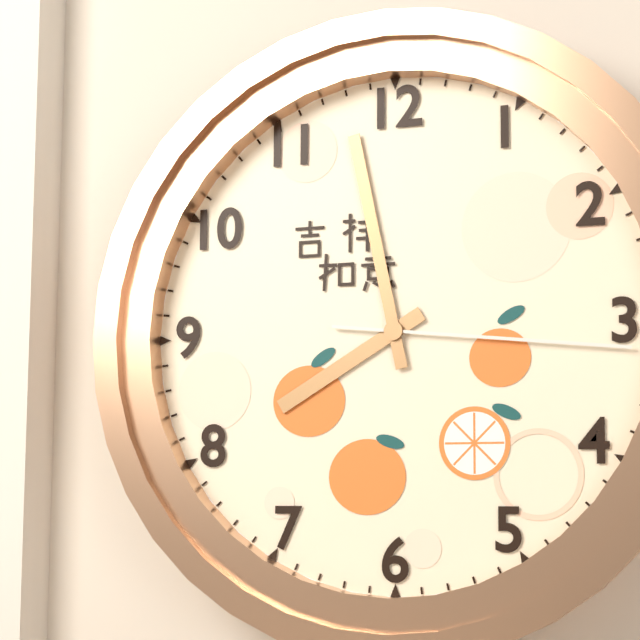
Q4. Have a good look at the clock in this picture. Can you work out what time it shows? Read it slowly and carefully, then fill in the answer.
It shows 7:58:16
